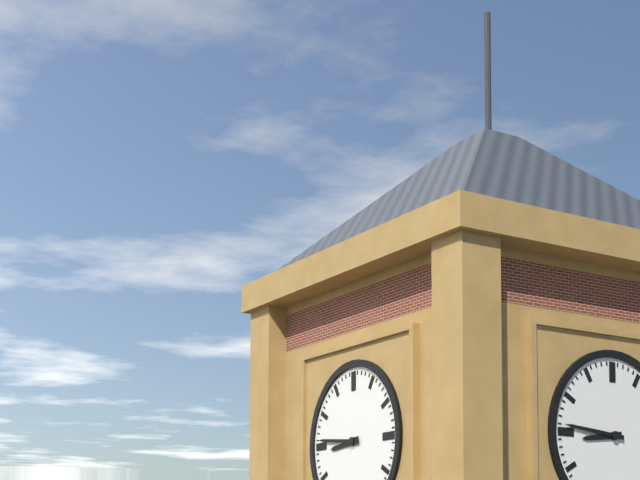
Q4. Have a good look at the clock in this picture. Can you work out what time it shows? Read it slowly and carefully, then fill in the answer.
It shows 8:46
